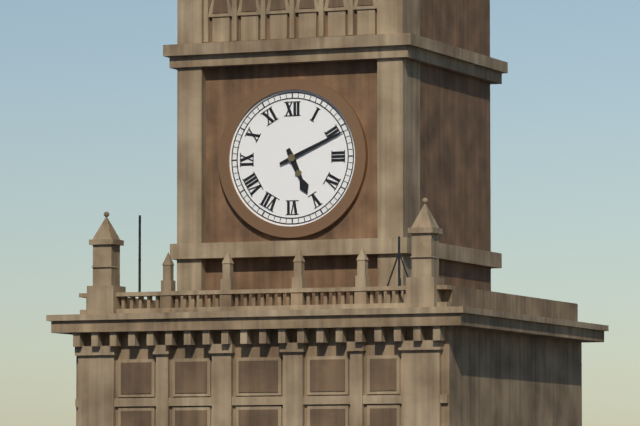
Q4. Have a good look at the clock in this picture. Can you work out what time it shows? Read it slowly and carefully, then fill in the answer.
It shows 5:11
